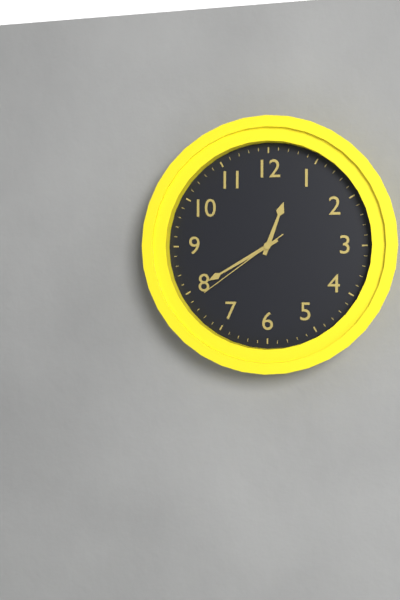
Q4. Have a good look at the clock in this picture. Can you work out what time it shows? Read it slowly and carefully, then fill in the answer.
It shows 12:40:39
